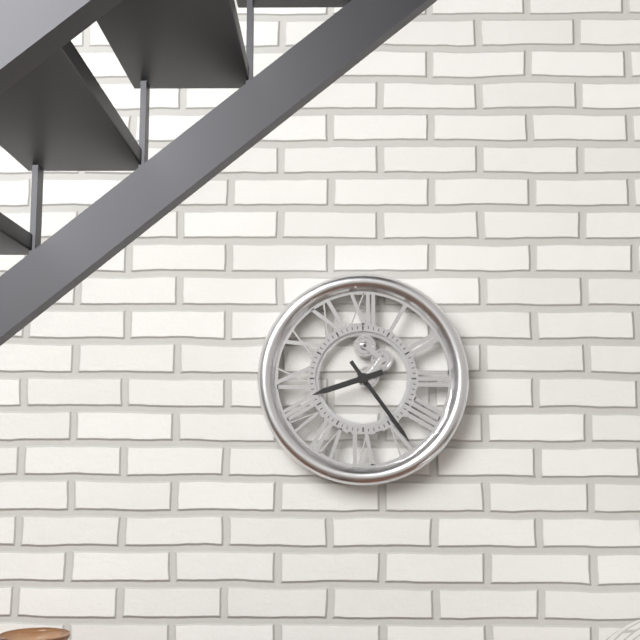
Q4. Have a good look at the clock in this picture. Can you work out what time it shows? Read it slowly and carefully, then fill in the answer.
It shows 8:24
